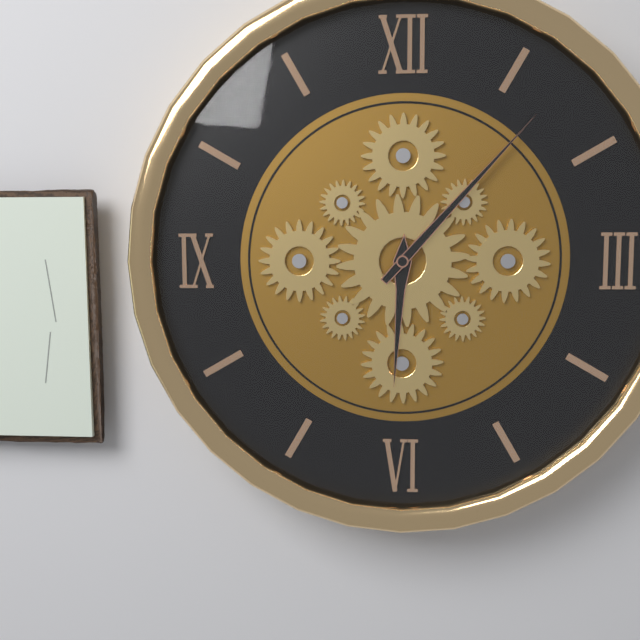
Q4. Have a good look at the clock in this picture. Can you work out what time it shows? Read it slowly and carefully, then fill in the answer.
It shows 6:07
